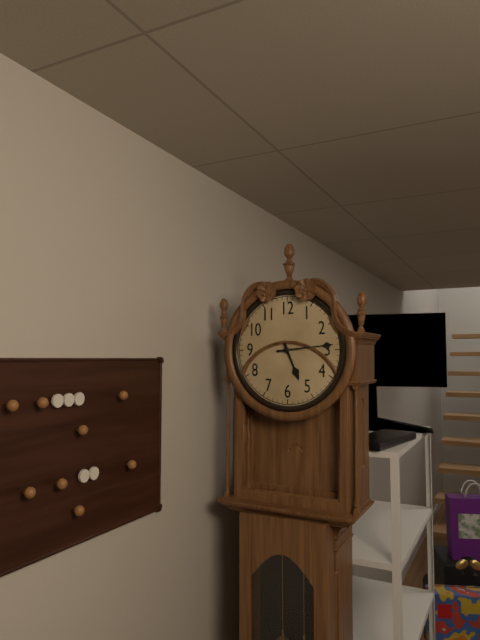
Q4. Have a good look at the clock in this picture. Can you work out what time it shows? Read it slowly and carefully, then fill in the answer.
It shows 5:14
